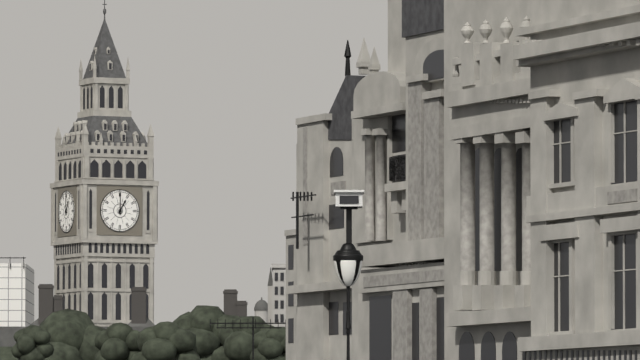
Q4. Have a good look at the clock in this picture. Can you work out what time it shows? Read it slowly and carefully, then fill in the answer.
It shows 1:00
